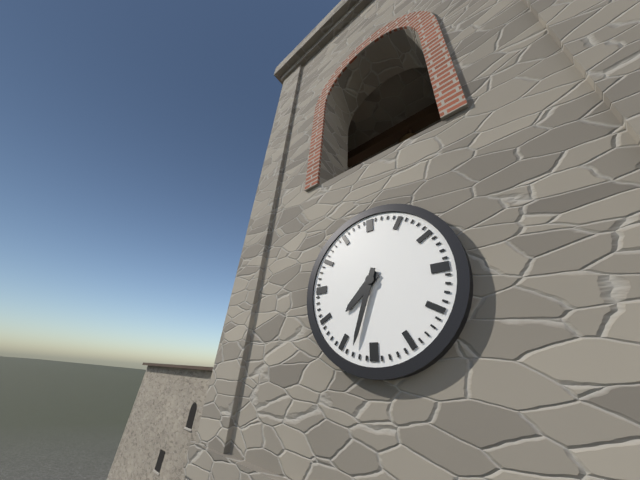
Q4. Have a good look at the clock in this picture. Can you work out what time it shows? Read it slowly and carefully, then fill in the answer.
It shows 7:33
